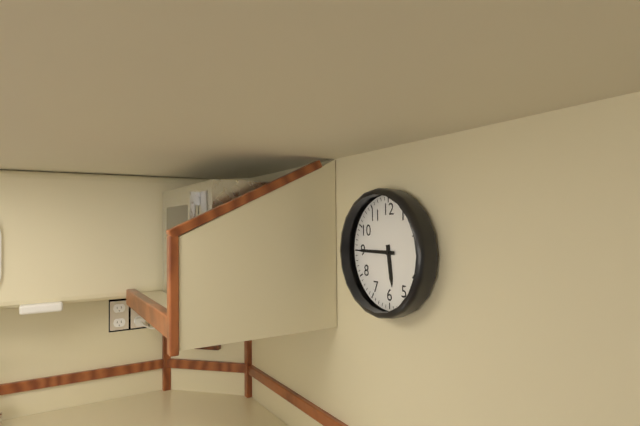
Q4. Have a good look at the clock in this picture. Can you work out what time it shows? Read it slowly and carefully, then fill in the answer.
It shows 5:45
